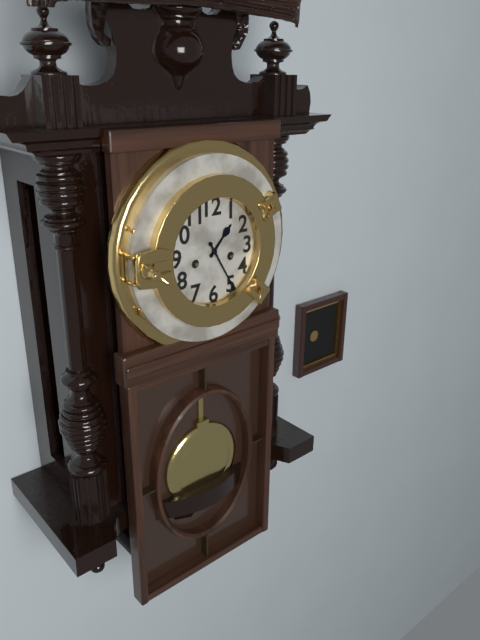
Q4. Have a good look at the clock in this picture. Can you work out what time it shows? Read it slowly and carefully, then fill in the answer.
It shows 1:25
